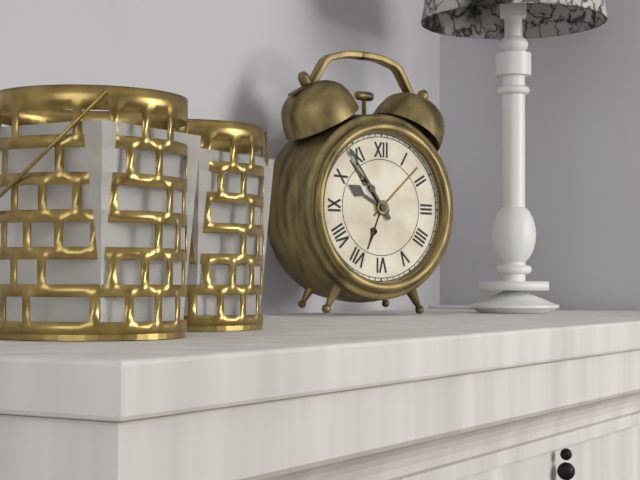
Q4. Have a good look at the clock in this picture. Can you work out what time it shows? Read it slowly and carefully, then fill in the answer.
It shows 9:54
